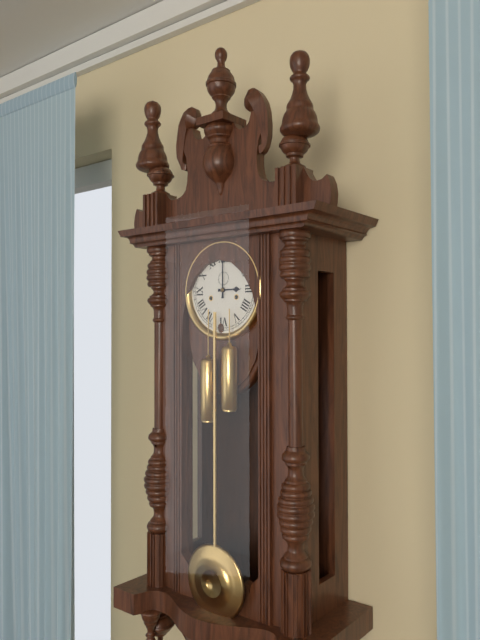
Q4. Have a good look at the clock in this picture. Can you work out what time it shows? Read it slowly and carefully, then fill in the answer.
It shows 3:00
